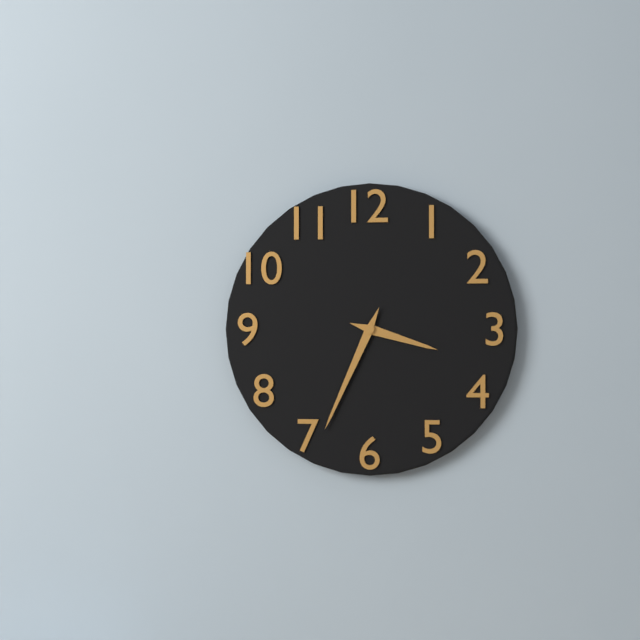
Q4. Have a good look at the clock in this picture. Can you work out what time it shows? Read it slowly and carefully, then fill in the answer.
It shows 3:34
